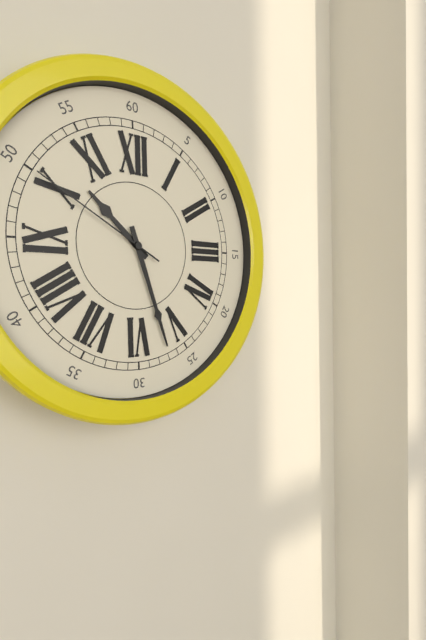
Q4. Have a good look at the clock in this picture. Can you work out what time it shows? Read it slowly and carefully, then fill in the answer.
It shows 10:27:50
